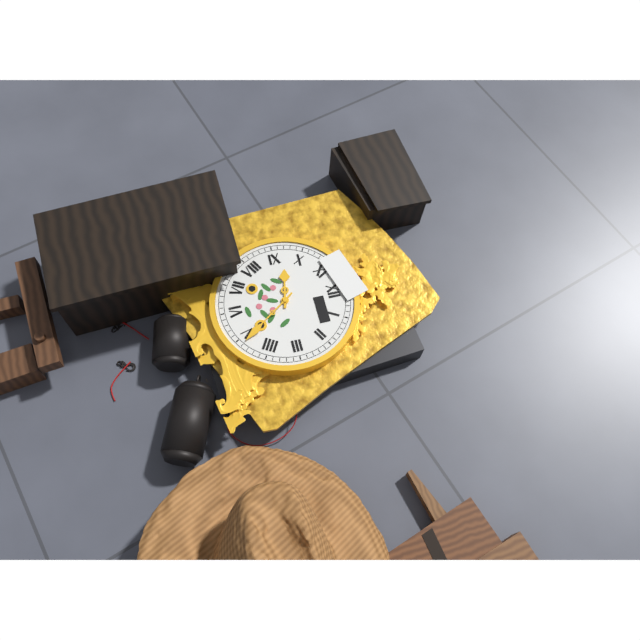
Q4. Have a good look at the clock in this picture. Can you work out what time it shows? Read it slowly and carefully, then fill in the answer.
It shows 9:24
